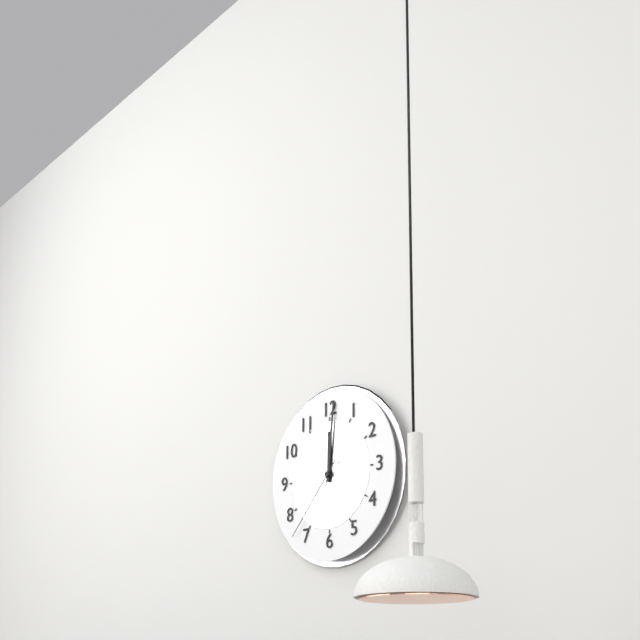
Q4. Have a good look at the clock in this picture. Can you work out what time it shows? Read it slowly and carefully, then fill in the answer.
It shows 12:01:37
